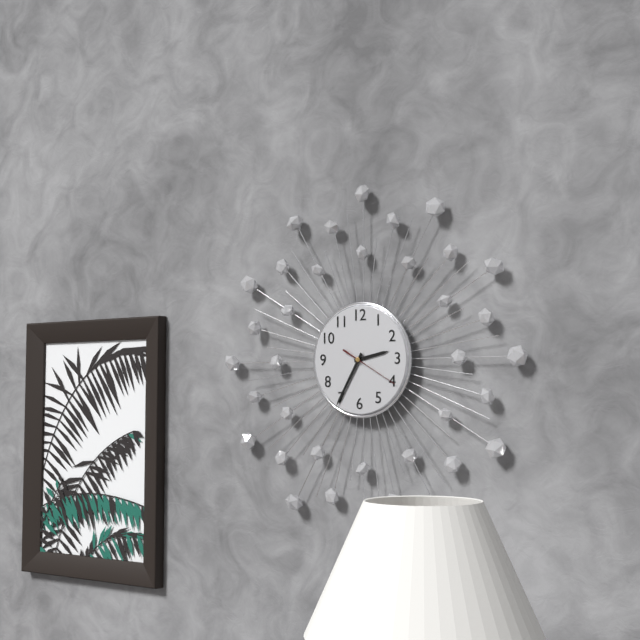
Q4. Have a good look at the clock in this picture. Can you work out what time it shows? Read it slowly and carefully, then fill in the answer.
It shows 2:35:20
